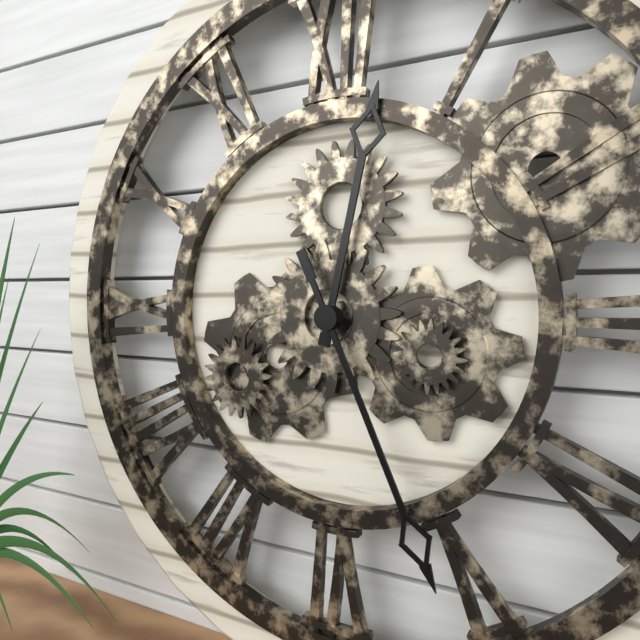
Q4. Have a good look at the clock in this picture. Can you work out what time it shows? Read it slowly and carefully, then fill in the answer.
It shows 12:26
